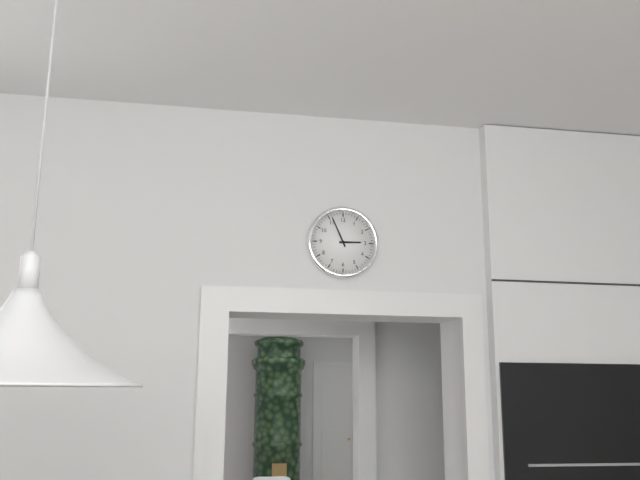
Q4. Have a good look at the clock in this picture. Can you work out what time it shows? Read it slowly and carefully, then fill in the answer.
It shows 2:56
